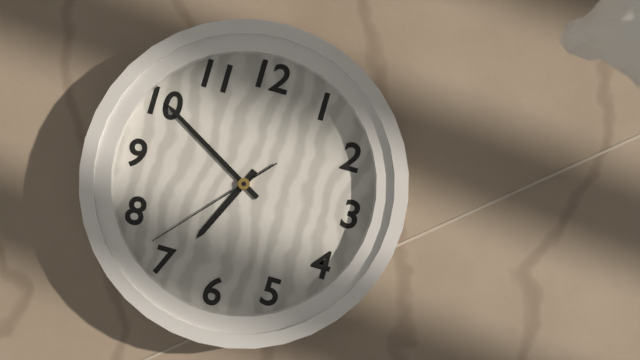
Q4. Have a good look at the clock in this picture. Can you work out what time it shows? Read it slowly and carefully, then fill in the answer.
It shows 6:50:37
